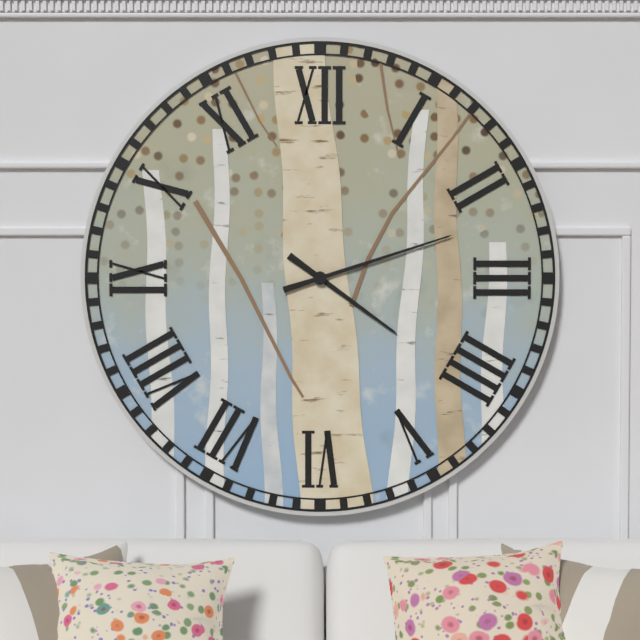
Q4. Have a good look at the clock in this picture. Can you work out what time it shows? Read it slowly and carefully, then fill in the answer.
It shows 4:12
